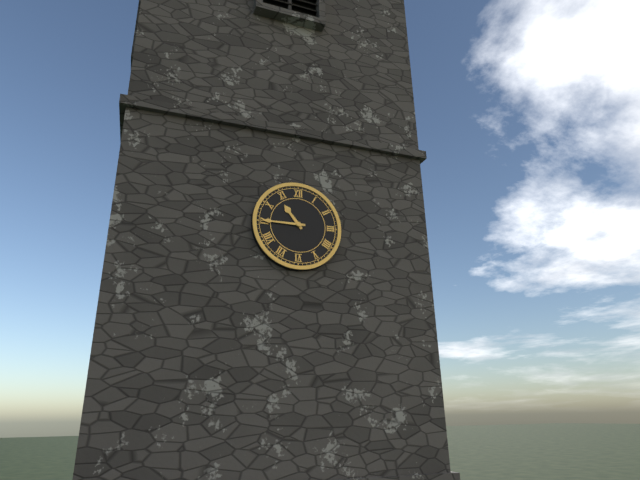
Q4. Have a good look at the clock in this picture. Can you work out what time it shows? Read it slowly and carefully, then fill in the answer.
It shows 10:45
